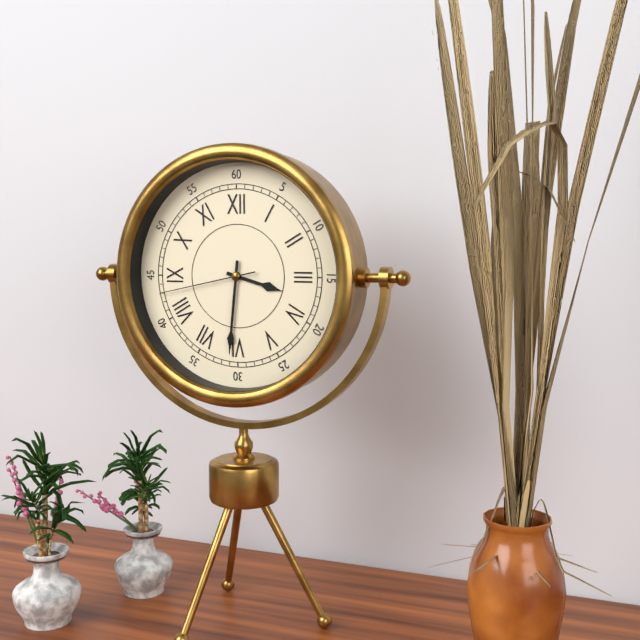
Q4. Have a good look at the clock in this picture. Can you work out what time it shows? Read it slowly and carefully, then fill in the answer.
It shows 3:31:43
